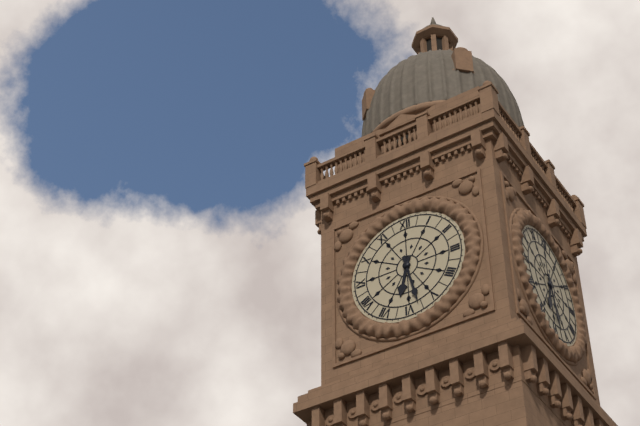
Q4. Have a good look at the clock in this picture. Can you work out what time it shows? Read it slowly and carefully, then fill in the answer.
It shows 6:28
